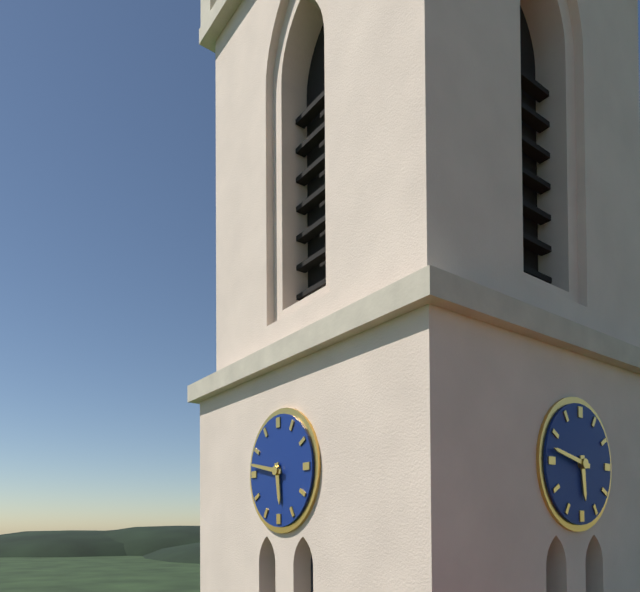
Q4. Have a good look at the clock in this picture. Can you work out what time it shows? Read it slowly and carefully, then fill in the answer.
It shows 5:47
